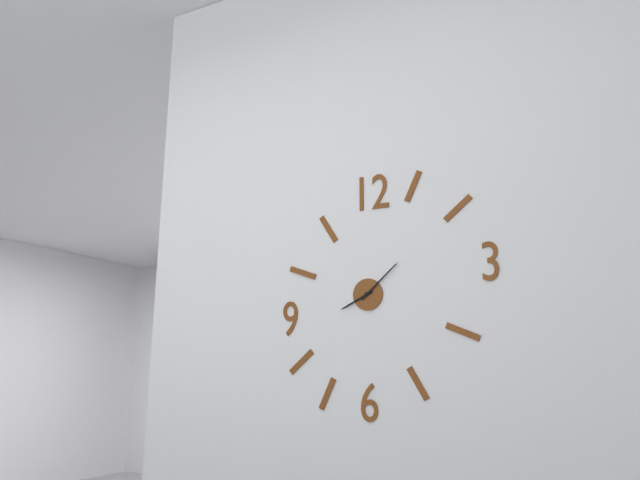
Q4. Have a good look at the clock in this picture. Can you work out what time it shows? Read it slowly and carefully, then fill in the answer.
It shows 8:08
